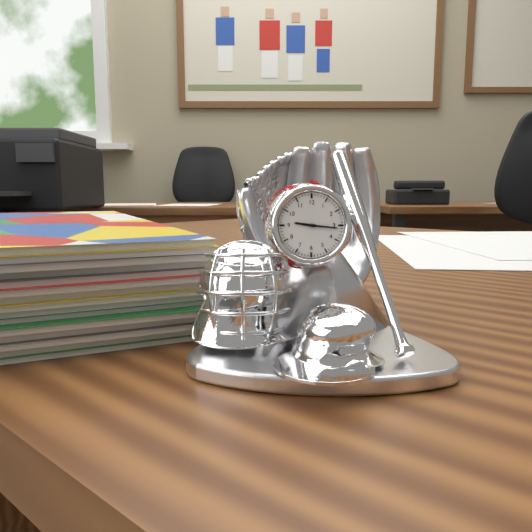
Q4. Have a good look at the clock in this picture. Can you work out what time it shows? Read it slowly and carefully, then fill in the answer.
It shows 9:16
